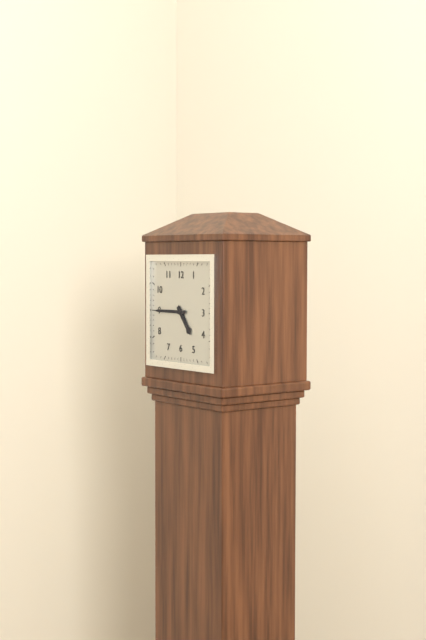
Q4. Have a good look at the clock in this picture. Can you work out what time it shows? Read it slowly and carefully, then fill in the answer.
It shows 4:45
